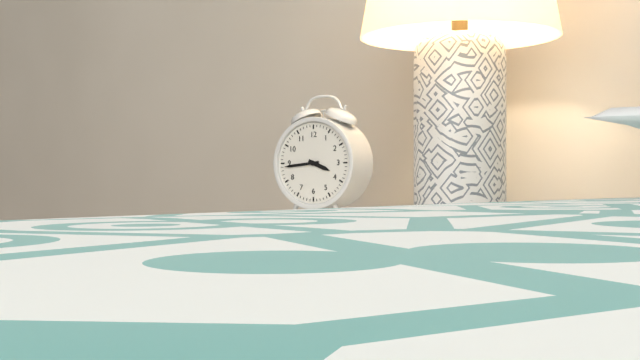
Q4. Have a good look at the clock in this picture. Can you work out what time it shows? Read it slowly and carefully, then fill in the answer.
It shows 3:44
